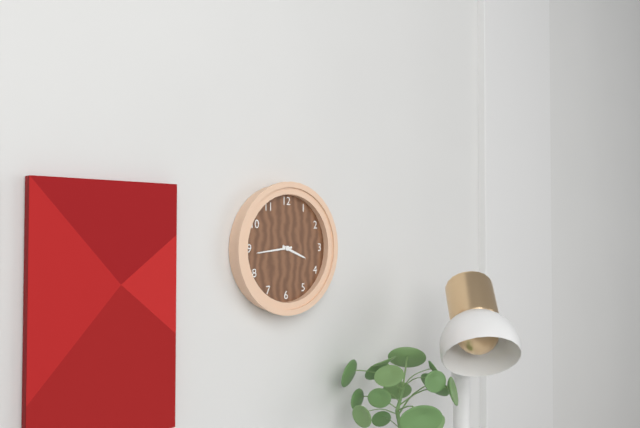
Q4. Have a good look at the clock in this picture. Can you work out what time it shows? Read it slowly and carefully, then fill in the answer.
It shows 3:44
